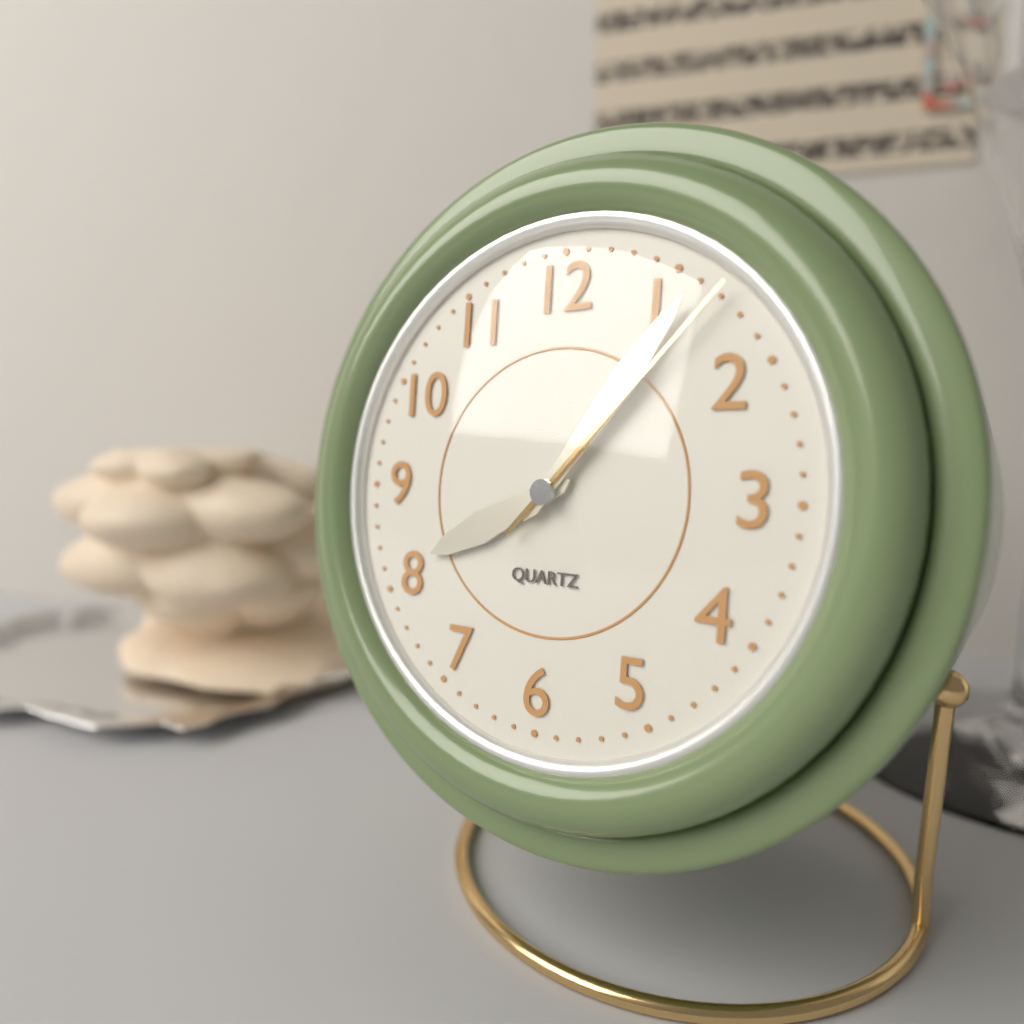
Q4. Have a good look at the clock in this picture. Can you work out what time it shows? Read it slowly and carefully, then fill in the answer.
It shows 8:06:07
